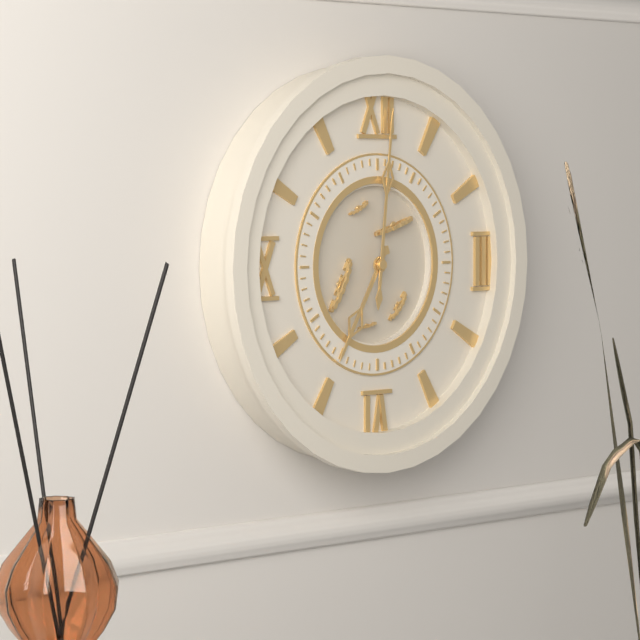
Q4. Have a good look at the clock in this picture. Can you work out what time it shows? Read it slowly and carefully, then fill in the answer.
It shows 7:01
